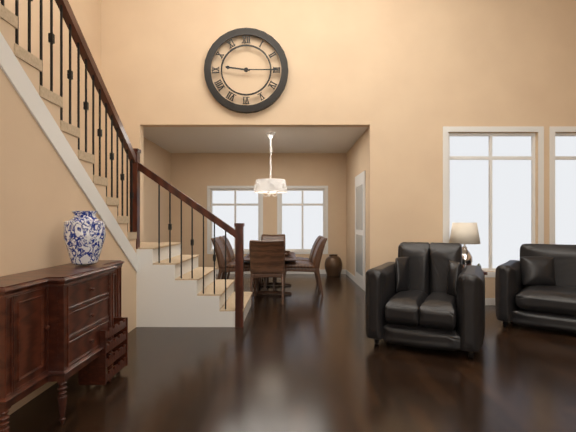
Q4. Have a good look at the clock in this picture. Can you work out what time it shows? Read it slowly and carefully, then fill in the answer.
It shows 9:15
